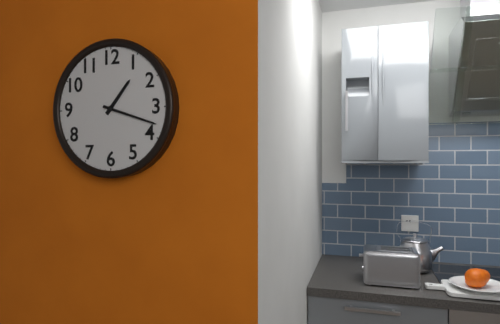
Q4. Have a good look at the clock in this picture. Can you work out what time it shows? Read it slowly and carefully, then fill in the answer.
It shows 1:18
